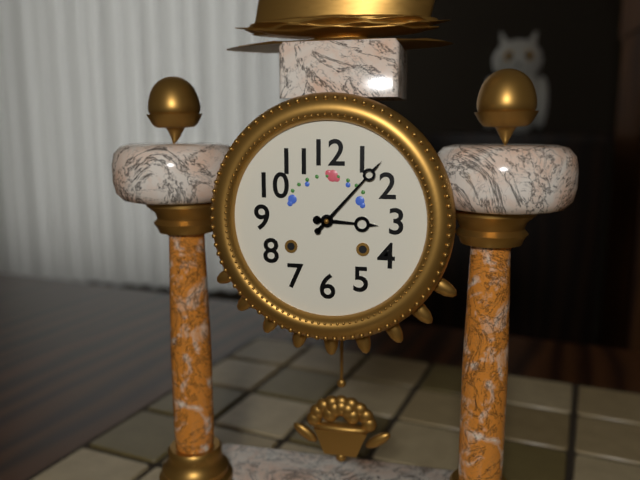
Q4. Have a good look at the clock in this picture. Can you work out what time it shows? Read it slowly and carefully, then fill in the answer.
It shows 3:07
